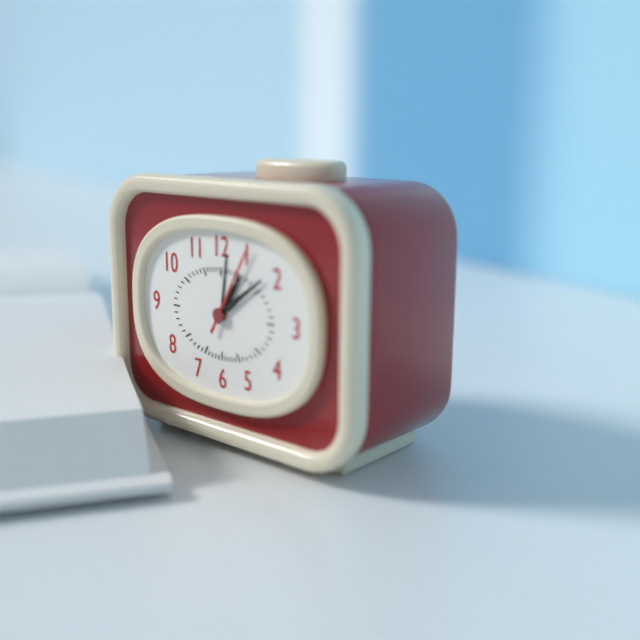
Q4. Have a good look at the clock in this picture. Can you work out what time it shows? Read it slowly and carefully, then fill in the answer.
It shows 1:09:05
